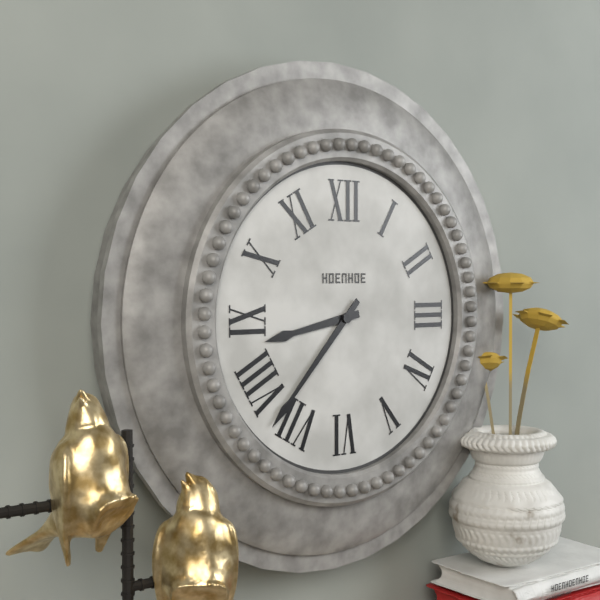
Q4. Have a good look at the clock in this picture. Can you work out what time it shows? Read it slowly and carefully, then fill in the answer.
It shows 8:37
